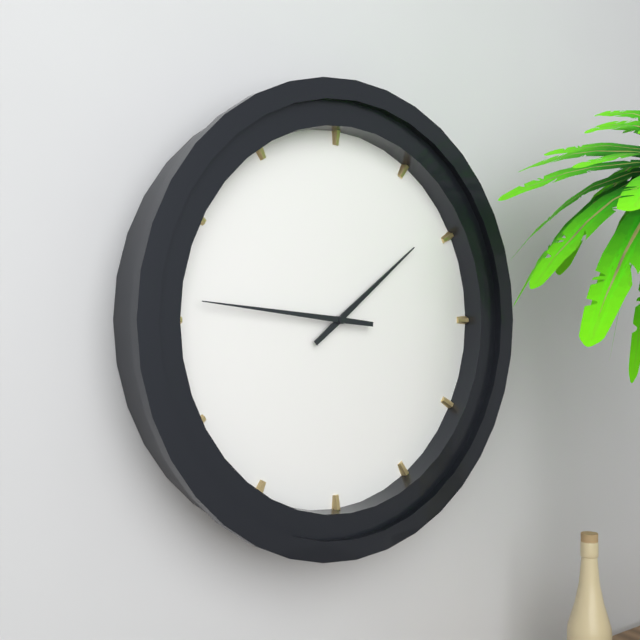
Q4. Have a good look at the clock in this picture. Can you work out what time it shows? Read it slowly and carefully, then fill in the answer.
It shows 1:46
